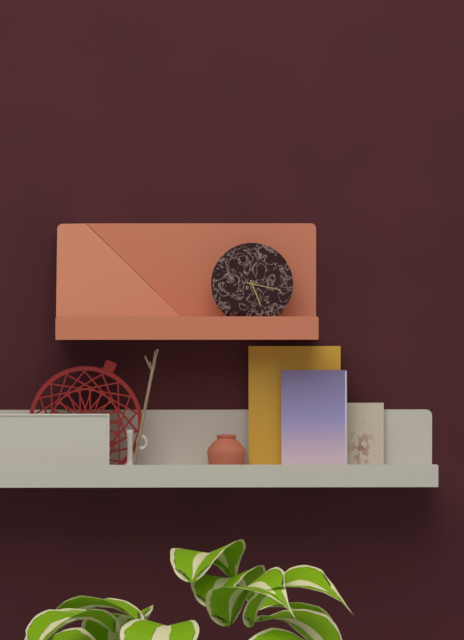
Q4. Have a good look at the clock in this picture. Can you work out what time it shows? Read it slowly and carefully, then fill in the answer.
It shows 5:17
